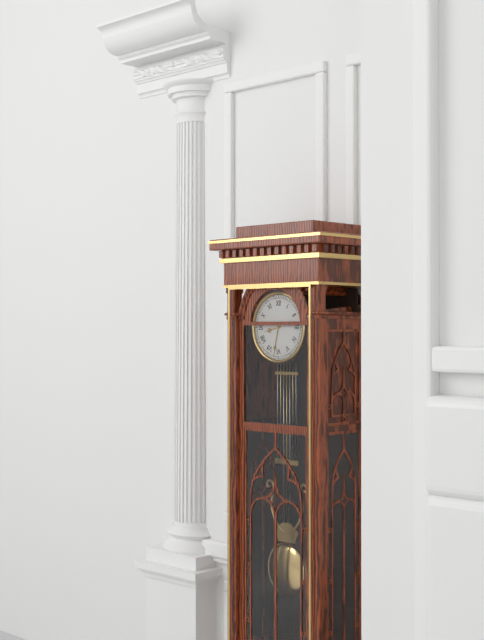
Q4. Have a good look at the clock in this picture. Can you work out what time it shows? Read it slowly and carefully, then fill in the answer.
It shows 8:32
